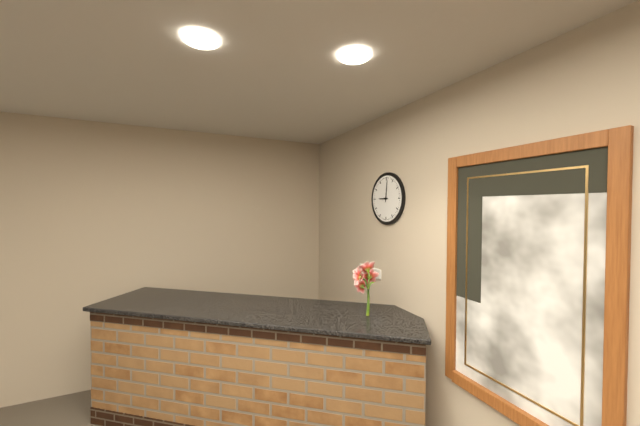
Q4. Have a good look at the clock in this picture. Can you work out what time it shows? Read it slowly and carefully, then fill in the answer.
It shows 9:01
